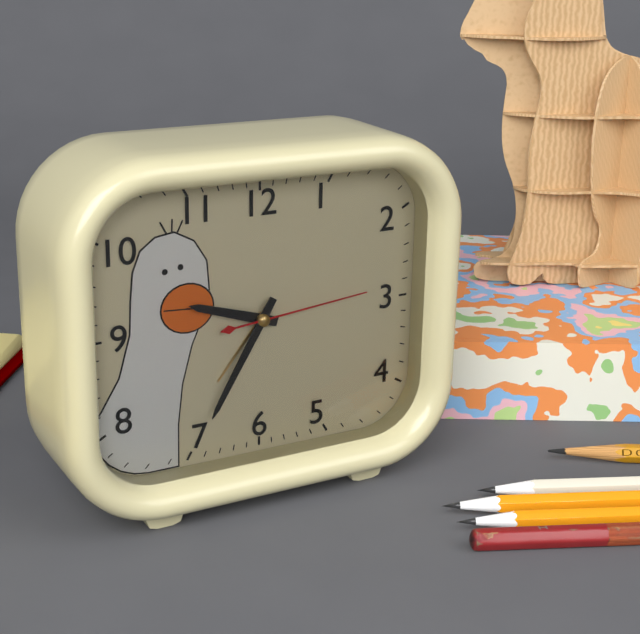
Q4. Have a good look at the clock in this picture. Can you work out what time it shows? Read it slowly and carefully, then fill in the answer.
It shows 9:35:14
